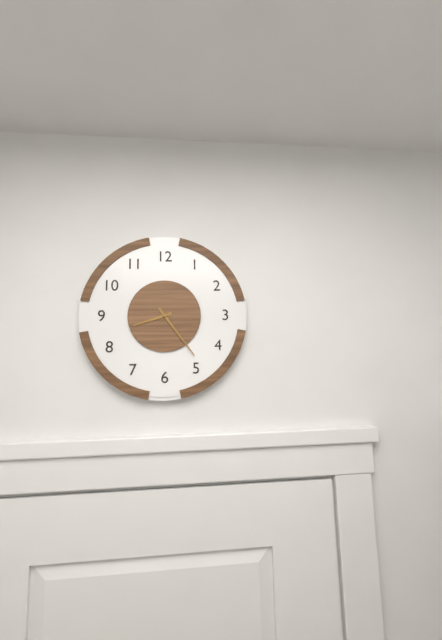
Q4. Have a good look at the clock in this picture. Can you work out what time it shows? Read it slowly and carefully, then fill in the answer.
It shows 8:24
